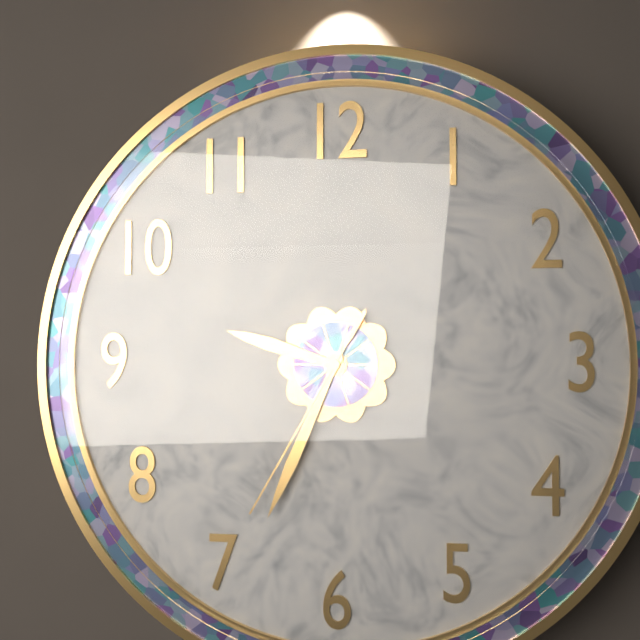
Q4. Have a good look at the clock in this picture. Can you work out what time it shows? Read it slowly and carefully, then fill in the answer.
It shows 9:34:35
